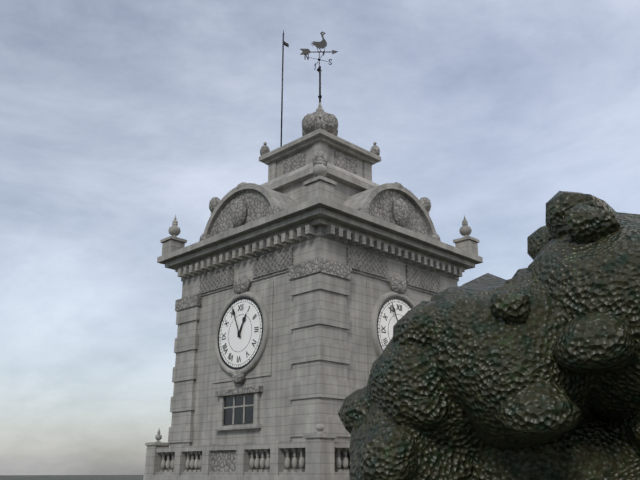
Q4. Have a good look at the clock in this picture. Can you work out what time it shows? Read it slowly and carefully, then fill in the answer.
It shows 12:56
